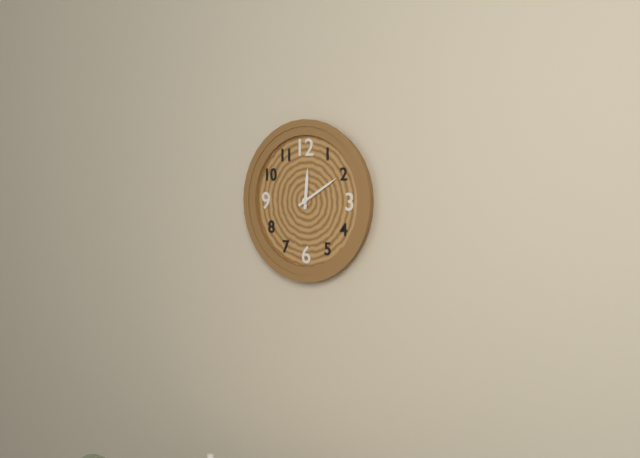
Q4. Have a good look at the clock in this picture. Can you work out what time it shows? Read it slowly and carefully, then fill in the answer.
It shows 12:10
